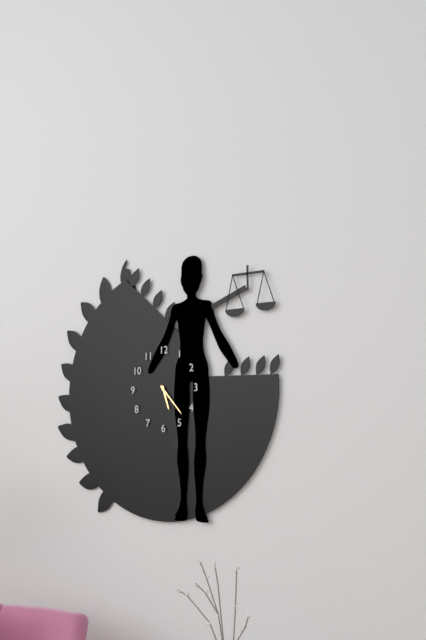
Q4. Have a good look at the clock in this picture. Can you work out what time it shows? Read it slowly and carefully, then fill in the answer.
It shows 5:23
